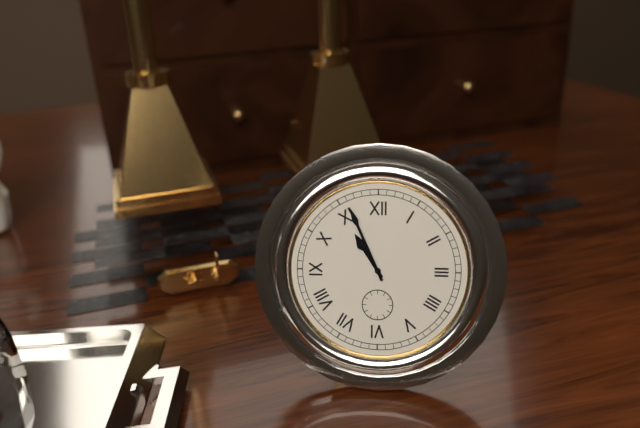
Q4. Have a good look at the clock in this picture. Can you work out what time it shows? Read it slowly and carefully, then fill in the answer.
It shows 10:56
